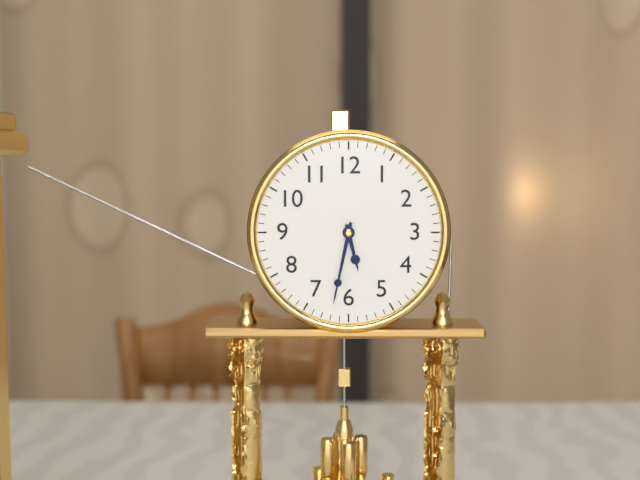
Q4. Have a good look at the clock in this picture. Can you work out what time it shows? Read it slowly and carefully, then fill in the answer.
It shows 5:32
